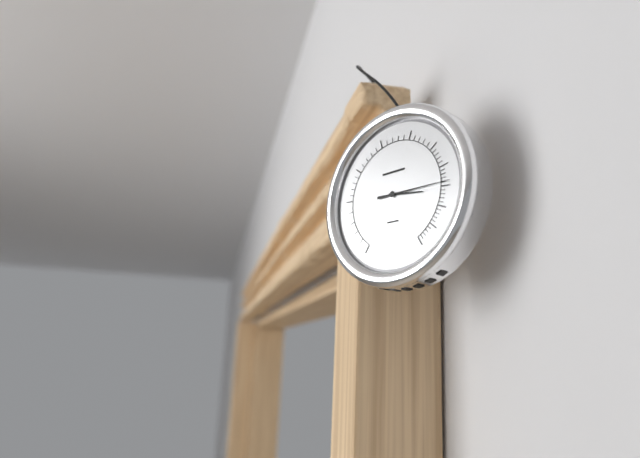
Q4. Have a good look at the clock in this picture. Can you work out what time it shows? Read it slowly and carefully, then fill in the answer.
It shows 3:15
